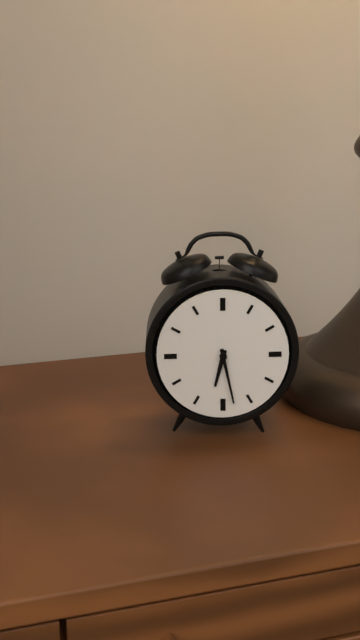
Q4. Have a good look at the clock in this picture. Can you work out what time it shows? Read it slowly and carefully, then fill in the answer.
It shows 6:28
